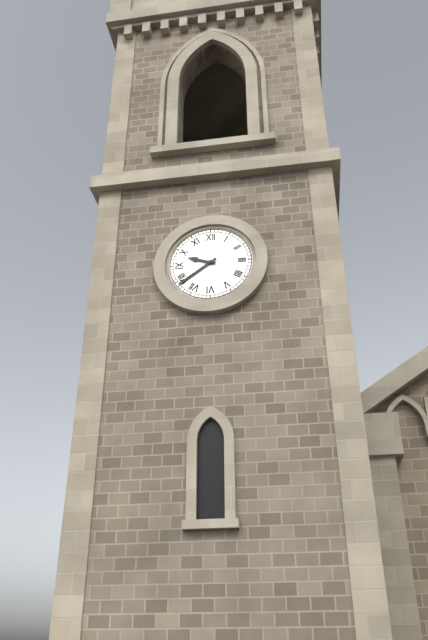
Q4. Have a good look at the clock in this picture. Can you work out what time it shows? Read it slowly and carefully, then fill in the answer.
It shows 9:39
